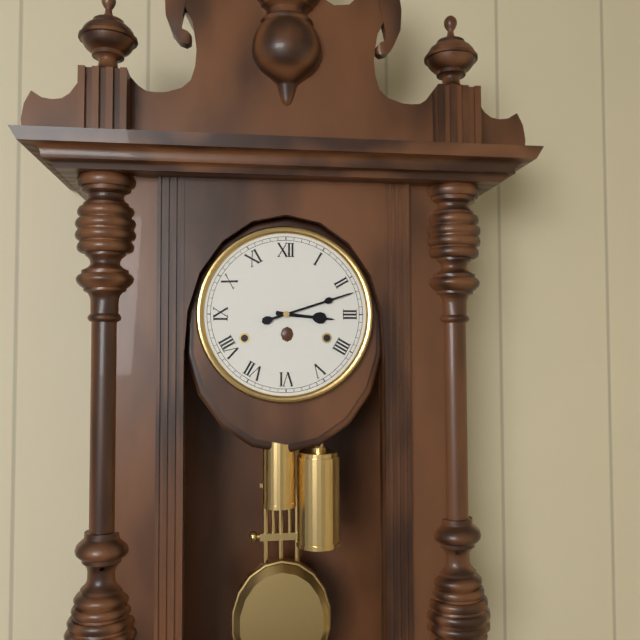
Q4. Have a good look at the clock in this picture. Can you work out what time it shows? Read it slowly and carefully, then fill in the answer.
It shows 3:12
